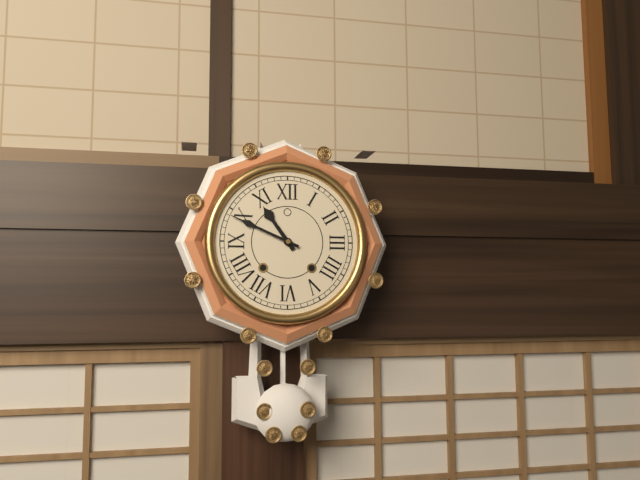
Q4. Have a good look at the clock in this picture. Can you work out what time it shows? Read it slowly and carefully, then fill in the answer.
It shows 10:49
